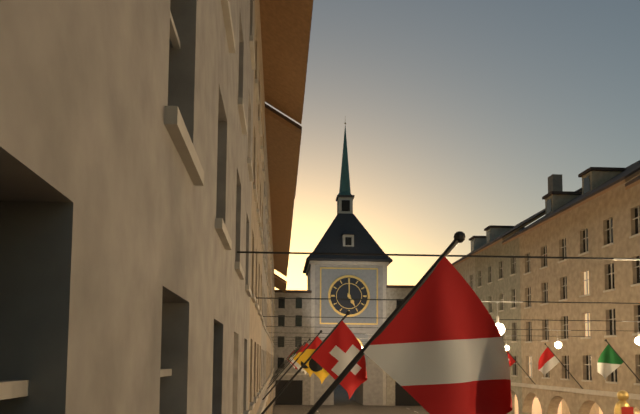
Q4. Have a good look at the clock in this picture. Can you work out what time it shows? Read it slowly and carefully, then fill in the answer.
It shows 5:00
